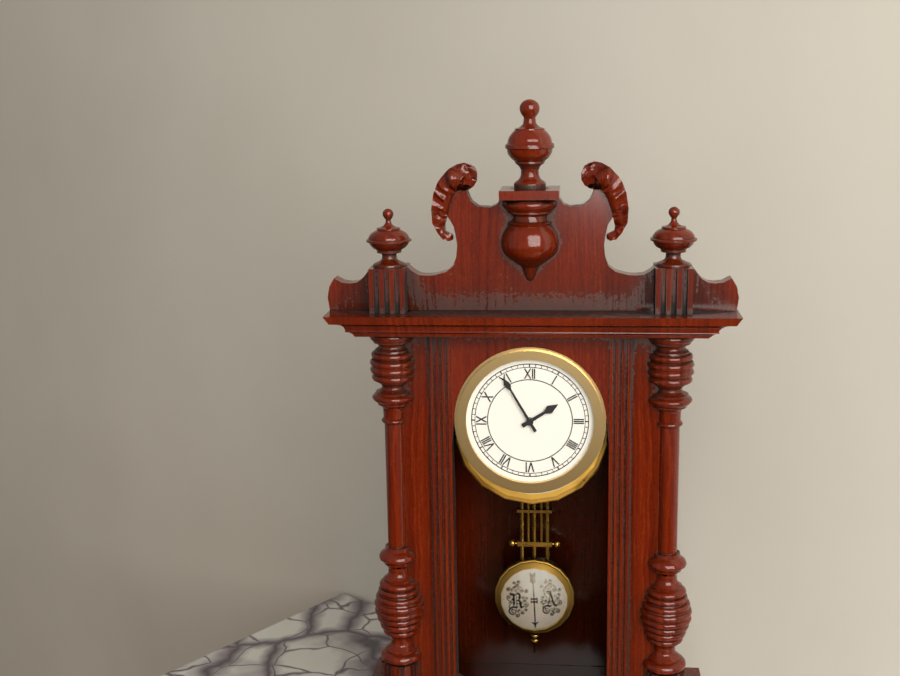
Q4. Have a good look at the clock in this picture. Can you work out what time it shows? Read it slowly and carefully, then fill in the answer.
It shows 1:55
